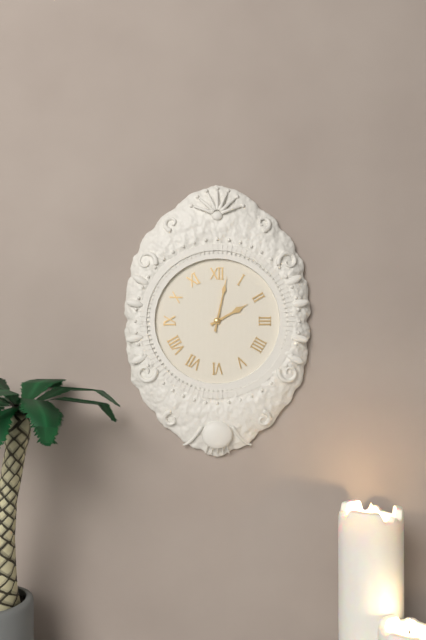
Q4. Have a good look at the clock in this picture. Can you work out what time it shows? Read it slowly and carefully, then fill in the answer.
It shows 2:02
